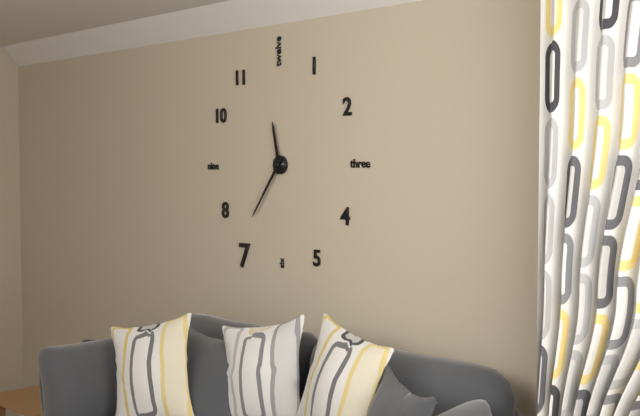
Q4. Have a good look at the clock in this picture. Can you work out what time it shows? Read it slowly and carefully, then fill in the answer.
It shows 11:36
